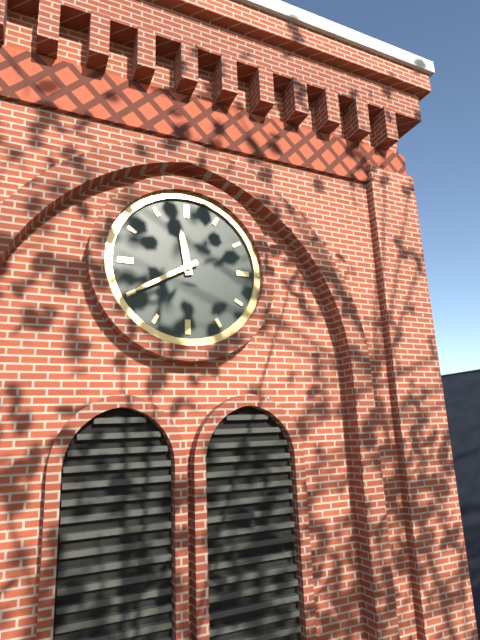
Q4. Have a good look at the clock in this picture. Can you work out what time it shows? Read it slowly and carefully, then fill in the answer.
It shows 11:40
